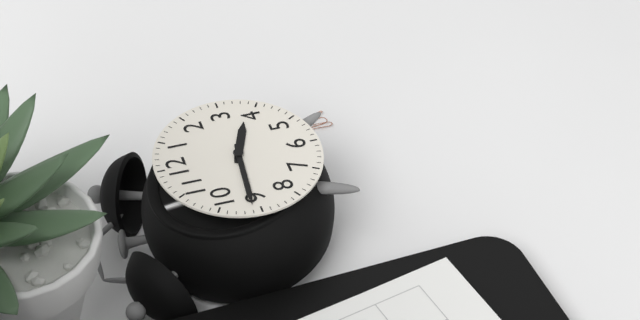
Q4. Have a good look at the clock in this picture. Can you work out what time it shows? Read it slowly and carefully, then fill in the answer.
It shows 3:46
